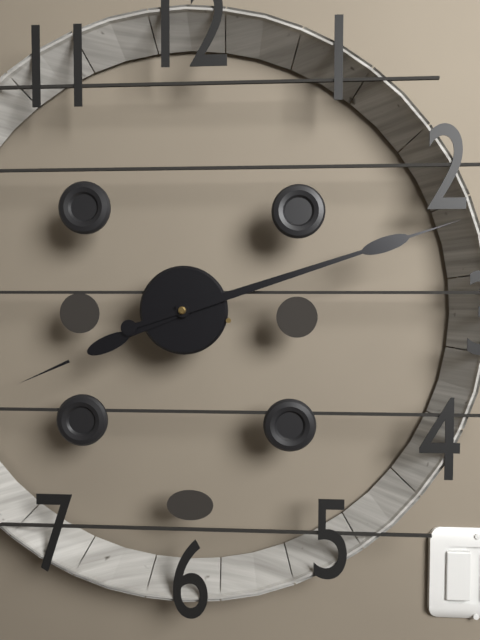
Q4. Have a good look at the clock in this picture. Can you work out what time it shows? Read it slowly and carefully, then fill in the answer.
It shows 8:12
